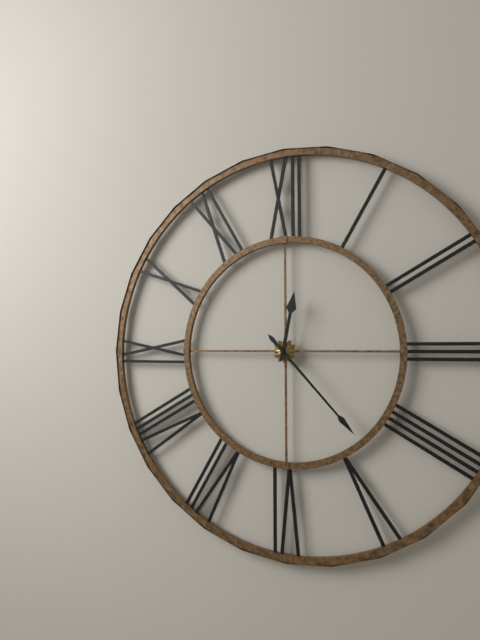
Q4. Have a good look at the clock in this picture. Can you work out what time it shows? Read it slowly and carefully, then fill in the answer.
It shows 12:23
